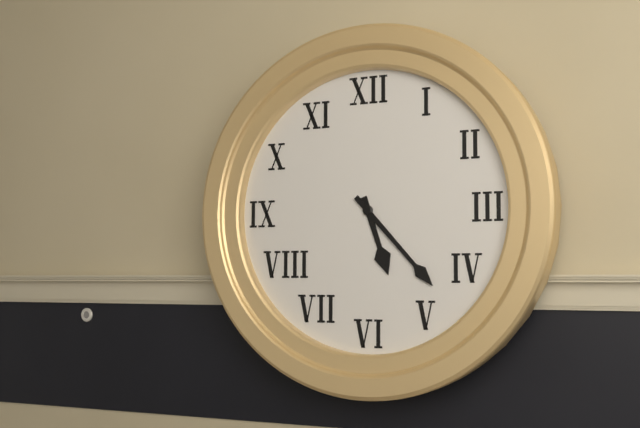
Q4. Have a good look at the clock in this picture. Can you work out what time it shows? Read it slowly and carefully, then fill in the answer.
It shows 5:23
